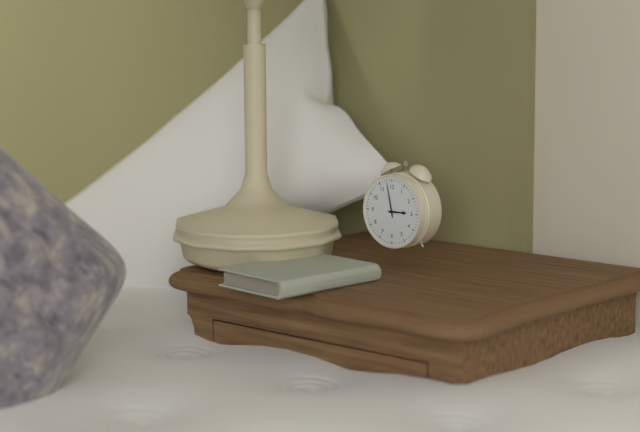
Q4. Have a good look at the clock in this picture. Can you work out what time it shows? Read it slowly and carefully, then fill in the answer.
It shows 2:58
